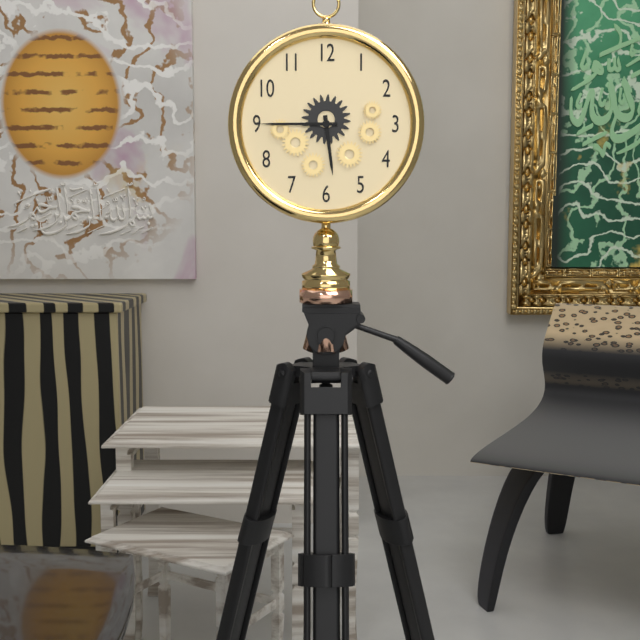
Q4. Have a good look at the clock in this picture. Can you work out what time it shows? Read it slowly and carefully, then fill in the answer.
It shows 5:45
